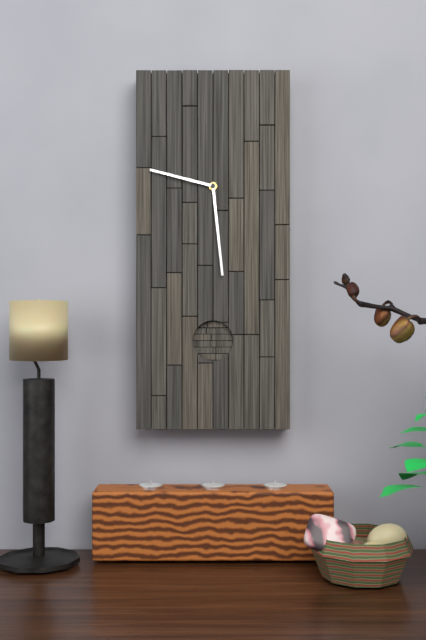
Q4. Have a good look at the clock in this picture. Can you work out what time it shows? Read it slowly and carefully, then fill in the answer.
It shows 9:29
